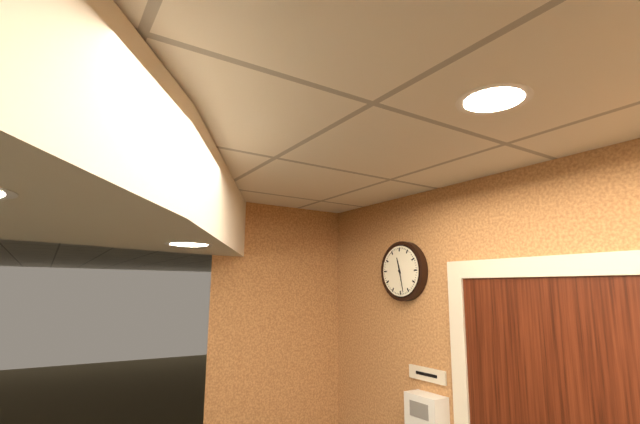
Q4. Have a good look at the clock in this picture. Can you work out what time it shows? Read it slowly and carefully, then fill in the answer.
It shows 11:28
